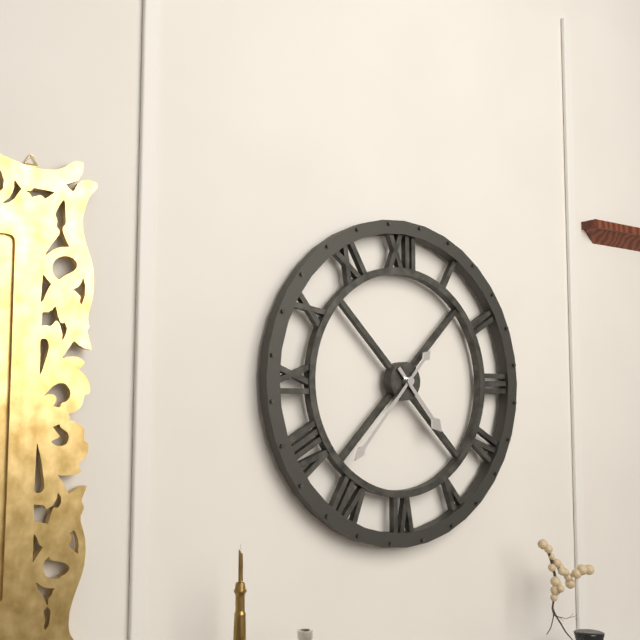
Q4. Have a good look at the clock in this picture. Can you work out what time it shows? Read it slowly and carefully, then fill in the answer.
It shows 4:37
